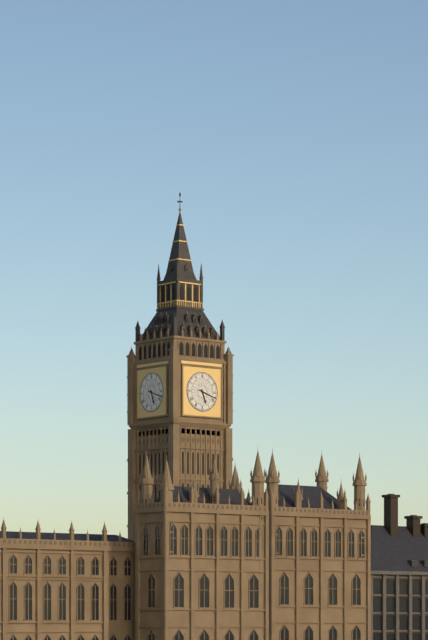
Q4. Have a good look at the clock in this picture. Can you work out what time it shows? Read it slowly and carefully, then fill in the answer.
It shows 5:18
